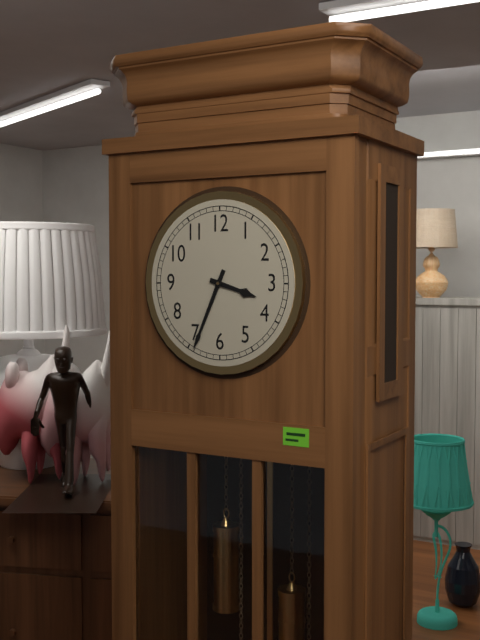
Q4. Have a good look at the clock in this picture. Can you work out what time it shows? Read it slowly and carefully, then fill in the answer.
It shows 3:34
